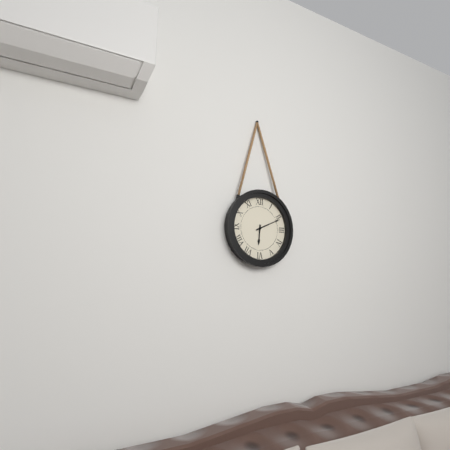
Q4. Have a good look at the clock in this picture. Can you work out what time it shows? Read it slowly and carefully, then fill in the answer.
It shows 6:11
